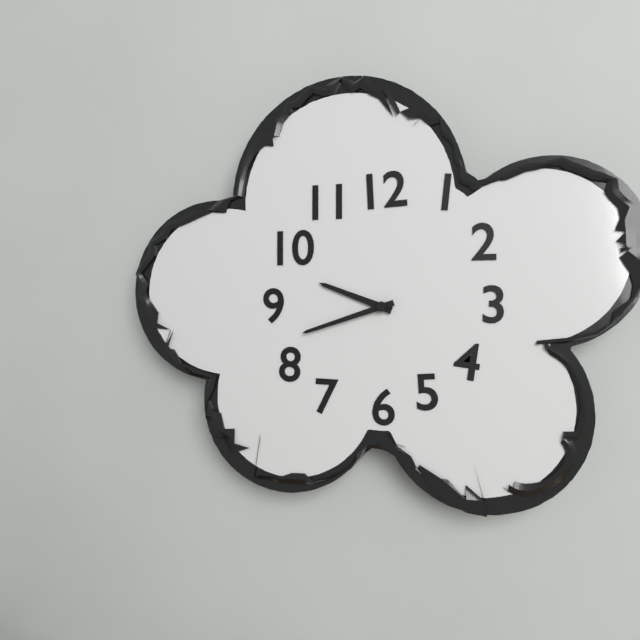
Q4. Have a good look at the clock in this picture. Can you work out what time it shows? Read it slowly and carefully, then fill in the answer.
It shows 9:42
